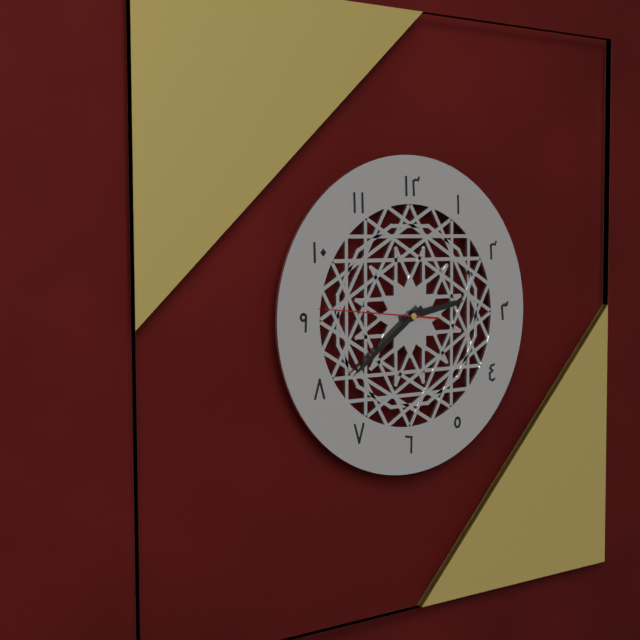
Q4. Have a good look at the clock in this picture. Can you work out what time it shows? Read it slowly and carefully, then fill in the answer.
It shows 2:39:46
